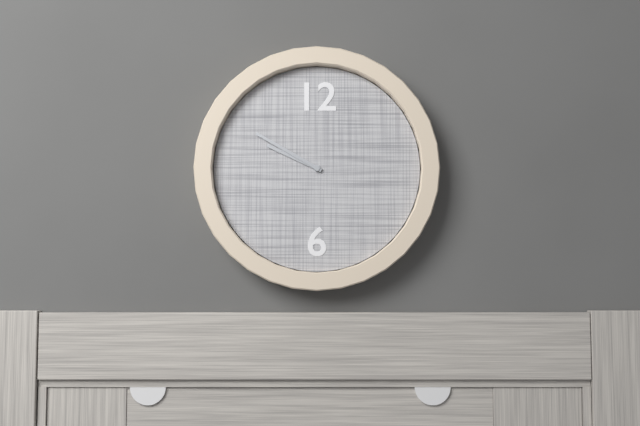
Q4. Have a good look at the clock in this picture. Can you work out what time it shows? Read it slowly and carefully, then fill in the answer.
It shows 9:50
